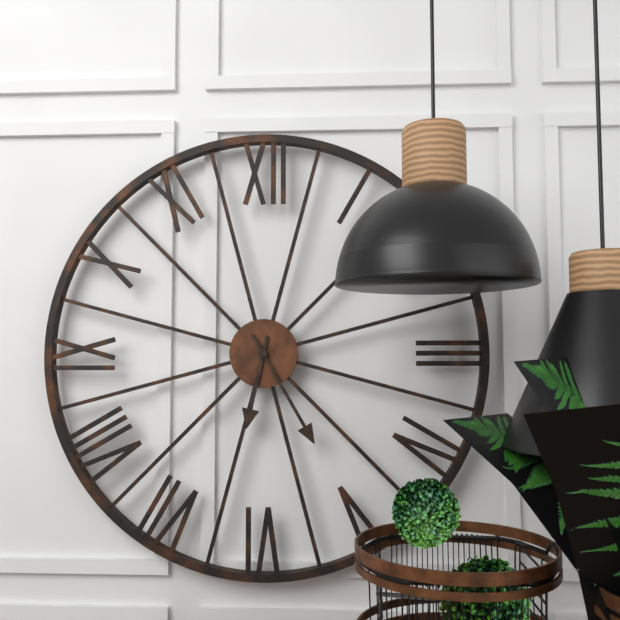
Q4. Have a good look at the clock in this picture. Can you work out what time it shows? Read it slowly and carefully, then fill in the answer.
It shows 6:25
